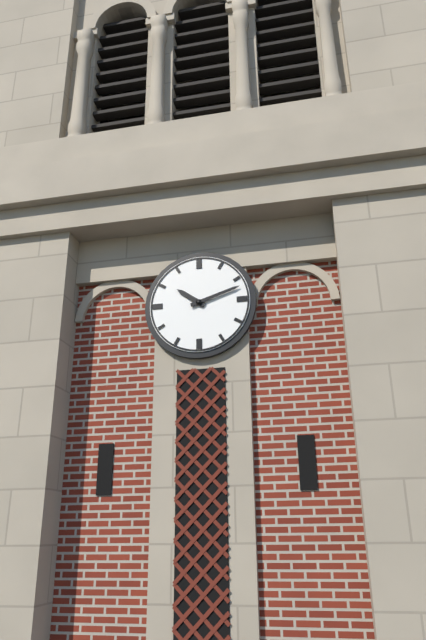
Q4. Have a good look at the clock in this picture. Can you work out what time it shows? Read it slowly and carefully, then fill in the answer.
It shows 10:12
